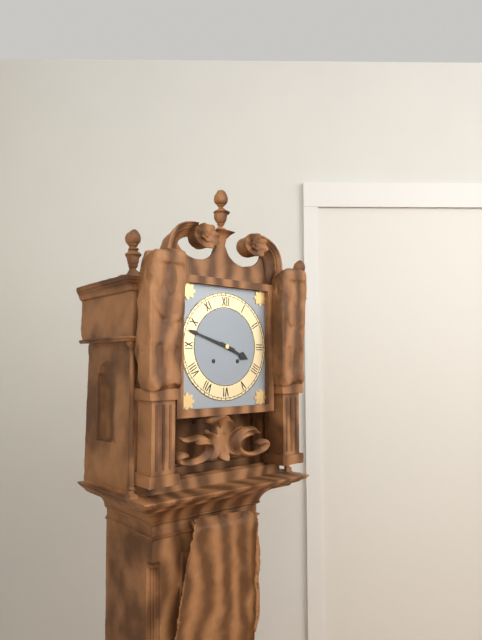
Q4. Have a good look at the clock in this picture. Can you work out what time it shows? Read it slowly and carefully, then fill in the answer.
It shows 3:48
